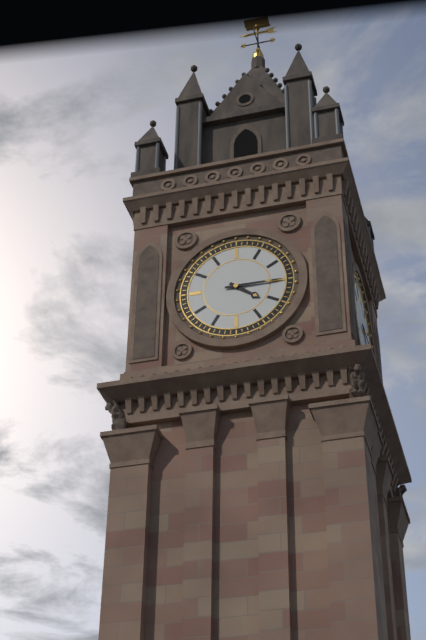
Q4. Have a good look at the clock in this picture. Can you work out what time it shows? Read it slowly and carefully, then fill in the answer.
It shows 4:15
